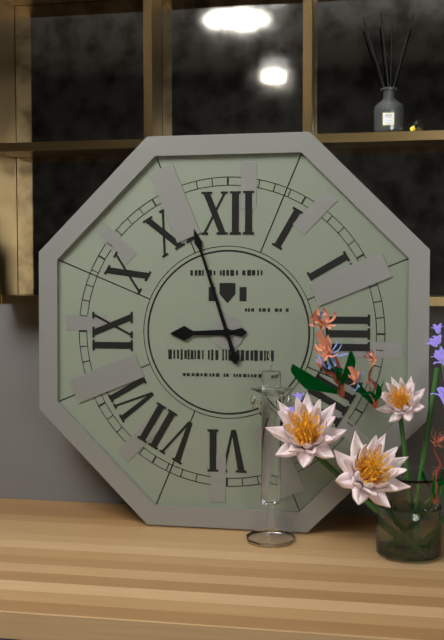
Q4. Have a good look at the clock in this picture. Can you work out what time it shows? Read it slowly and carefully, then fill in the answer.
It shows 8:57
